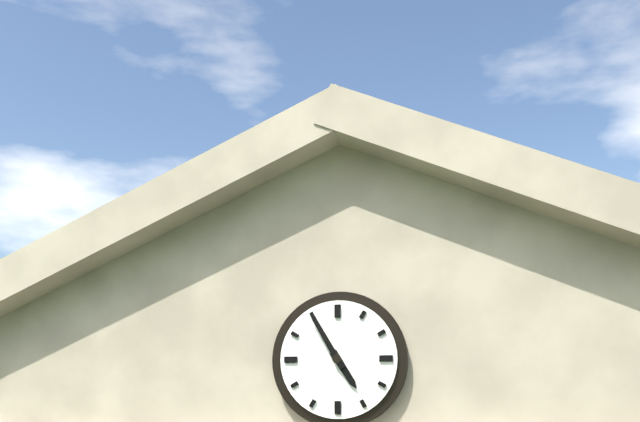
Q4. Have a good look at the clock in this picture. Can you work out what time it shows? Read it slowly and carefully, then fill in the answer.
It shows 4:55
